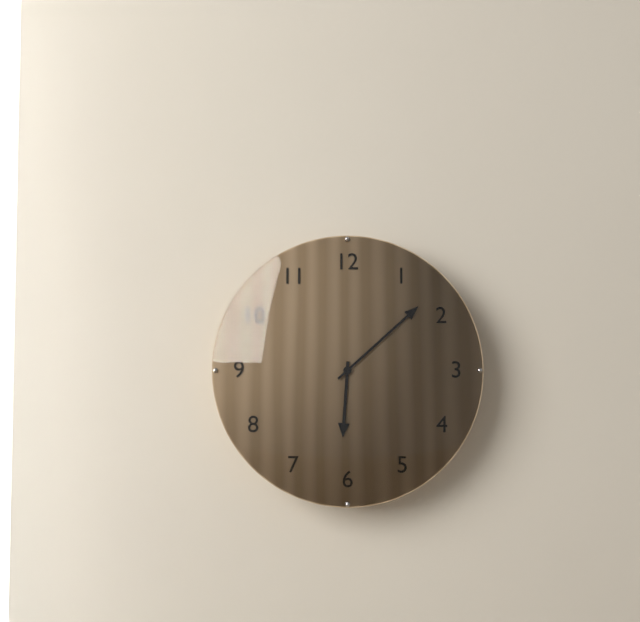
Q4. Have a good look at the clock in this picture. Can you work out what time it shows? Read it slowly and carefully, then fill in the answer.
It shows 6:08
